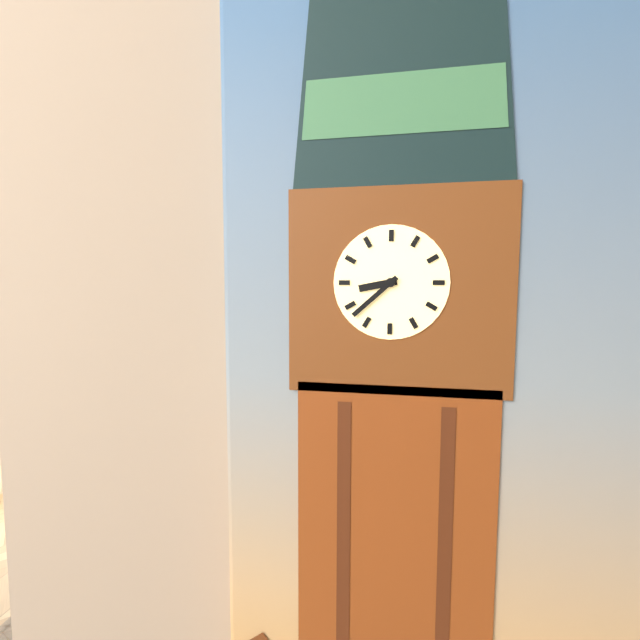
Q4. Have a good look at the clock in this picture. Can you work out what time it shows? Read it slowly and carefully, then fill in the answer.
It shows 8:38
